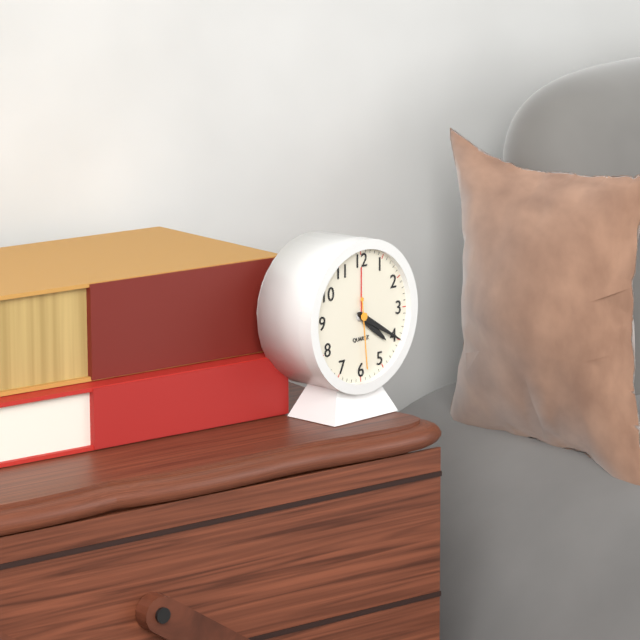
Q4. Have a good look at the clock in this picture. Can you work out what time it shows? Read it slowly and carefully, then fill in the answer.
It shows 4:20:29
